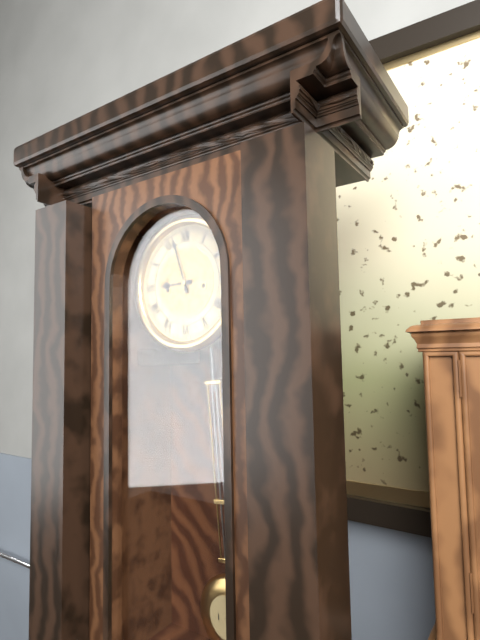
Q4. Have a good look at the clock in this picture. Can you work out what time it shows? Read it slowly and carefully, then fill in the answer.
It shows 8:57
